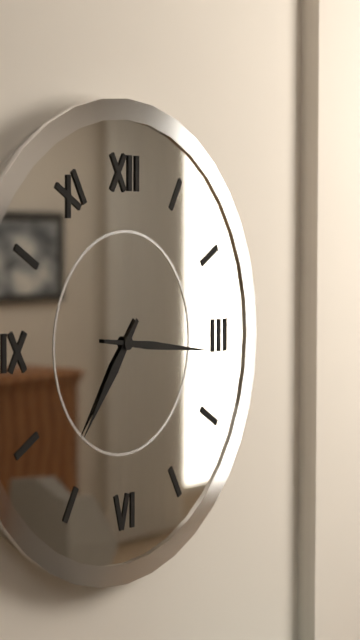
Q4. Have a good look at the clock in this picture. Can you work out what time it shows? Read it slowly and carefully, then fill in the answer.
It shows 7:16
